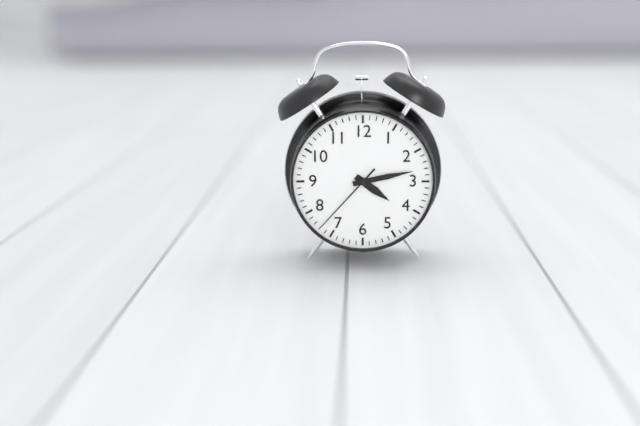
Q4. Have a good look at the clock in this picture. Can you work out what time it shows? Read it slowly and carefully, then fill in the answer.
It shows 4:13:37
